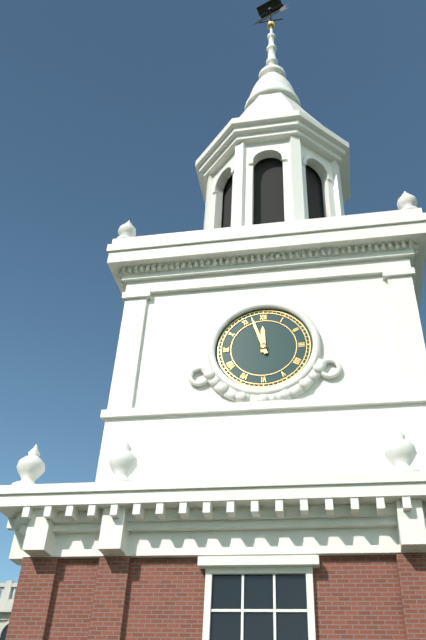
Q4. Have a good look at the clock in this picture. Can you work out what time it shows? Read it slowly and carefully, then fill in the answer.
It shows 11:57
